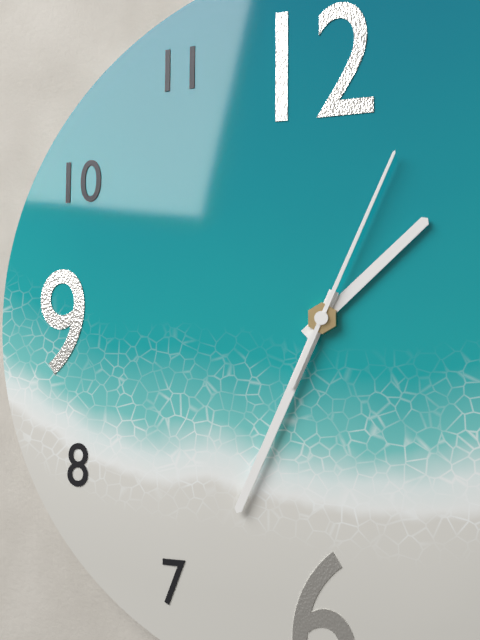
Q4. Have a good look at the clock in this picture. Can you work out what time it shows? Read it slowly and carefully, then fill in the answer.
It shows 1:34:04
